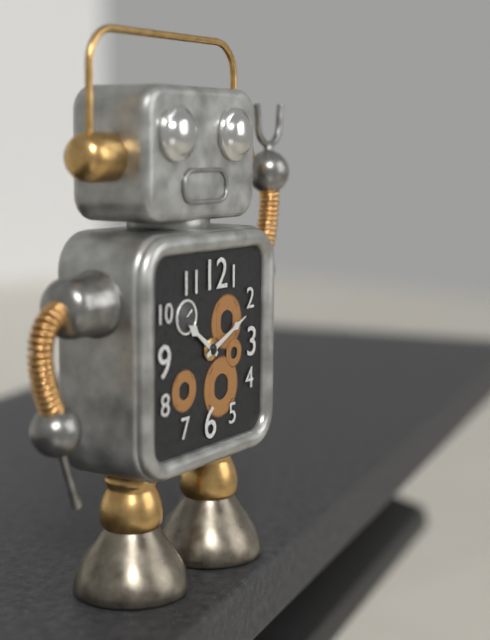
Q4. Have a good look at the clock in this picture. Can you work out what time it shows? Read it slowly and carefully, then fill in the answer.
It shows 10:11
